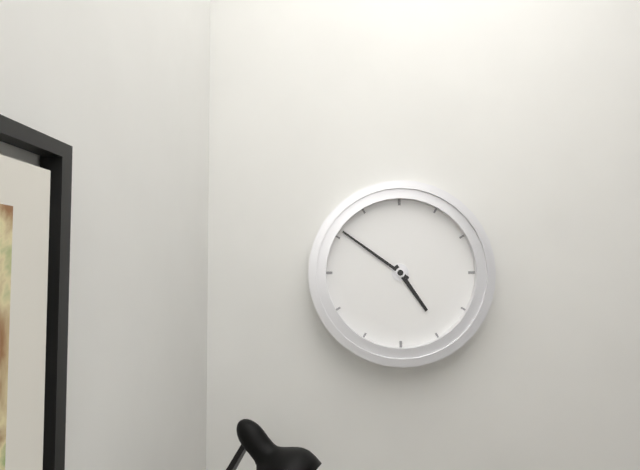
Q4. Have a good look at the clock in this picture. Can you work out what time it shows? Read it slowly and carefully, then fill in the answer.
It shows 4:51
